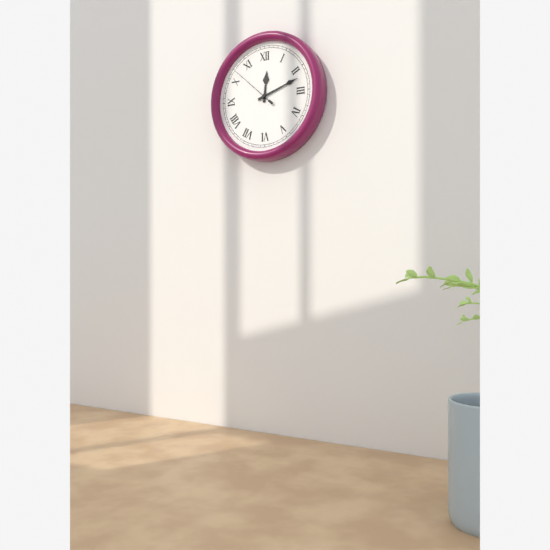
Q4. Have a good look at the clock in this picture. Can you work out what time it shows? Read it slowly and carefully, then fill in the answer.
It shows 12:12
